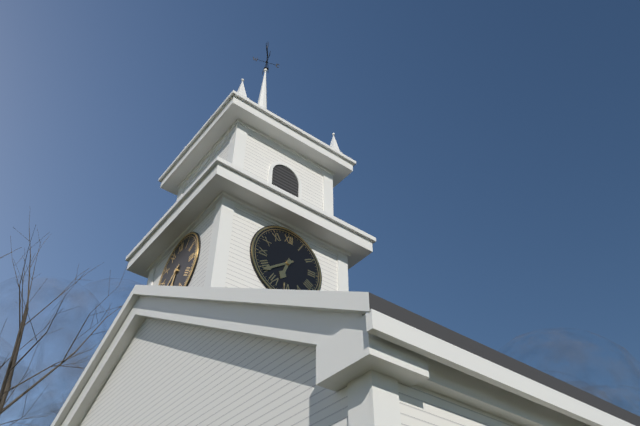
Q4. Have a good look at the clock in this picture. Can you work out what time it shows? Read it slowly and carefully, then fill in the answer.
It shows 6:39
